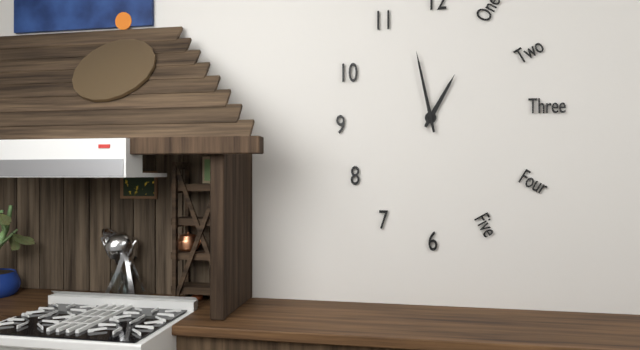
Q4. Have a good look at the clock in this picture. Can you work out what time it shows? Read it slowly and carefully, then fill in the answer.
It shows 12:58
